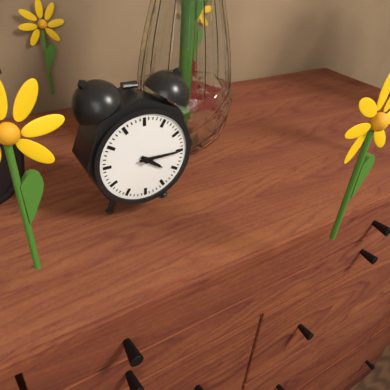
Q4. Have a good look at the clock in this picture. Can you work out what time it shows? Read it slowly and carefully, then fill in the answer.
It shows 4:15
